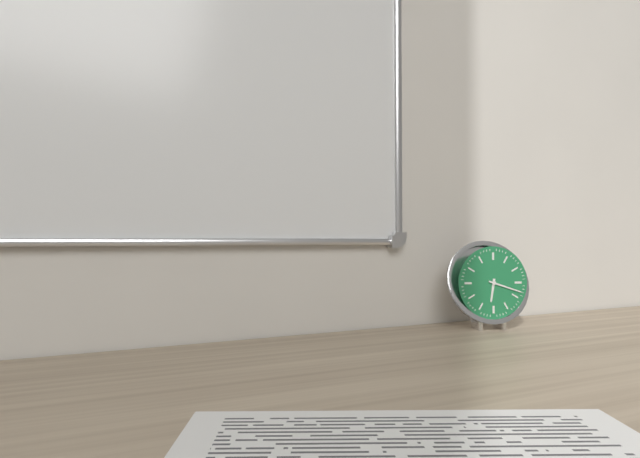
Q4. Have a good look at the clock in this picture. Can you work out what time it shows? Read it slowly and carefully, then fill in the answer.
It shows 6:18
